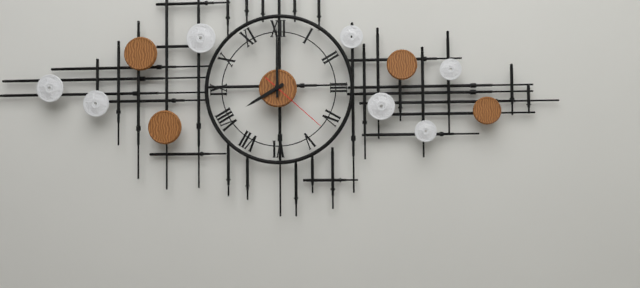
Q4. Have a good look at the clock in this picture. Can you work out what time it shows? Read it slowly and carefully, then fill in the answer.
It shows 8:00:22
